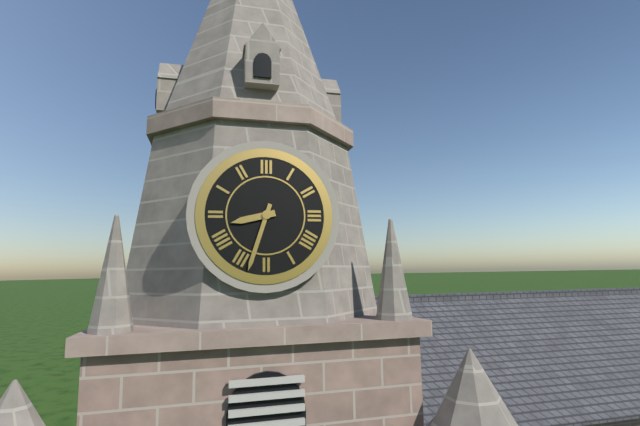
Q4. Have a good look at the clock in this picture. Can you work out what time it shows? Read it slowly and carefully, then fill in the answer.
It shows 8:33
